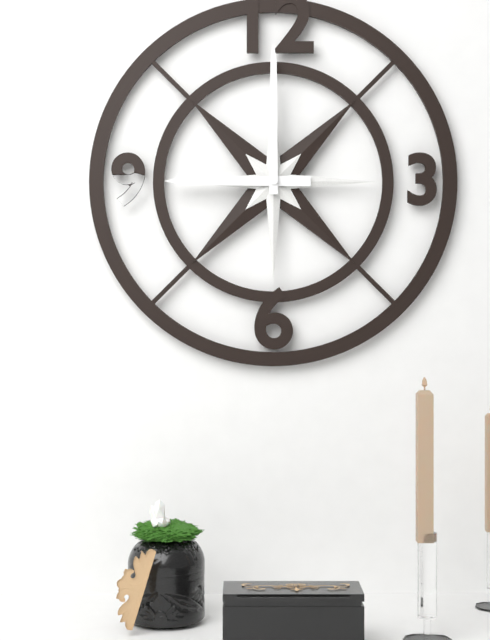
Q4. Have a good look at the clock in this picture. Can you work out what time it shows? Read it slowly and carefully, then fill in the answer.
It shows 9:00
